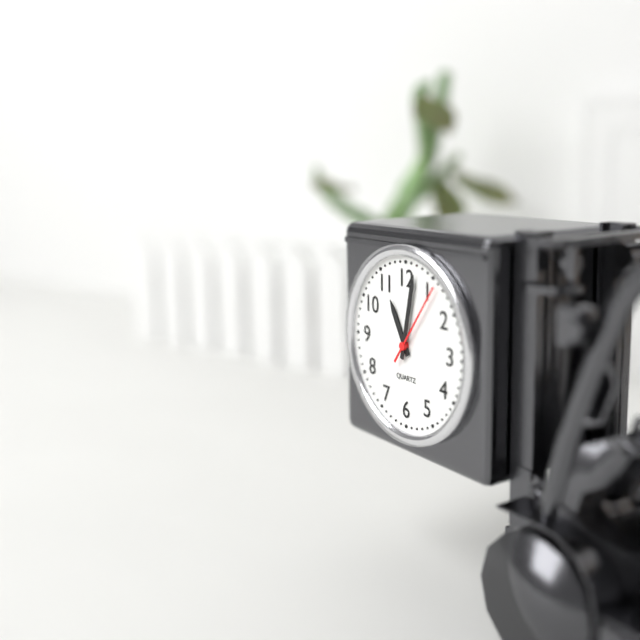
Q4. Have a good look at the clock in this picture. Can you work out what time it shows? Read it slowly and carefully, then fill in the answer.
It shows 11:02:06
